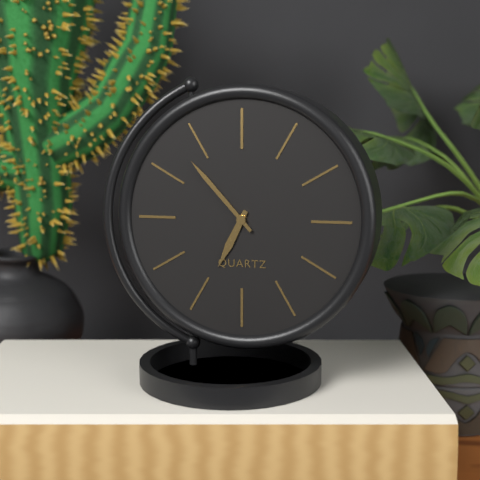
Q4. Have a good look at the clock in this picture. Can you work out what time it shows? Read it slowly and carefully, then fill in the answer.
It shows 6:53
